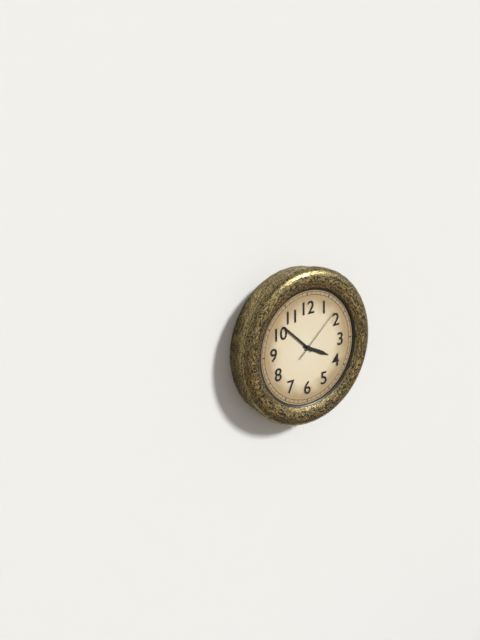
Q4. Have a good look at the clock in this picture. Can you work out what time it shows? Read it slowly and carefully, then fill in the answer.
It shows 3:52:08
